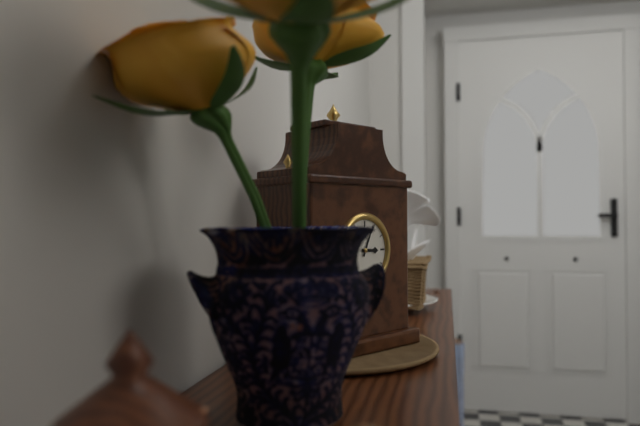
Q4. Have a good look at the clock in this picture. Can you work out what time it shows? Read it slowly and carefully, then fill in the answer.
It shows 3:04
